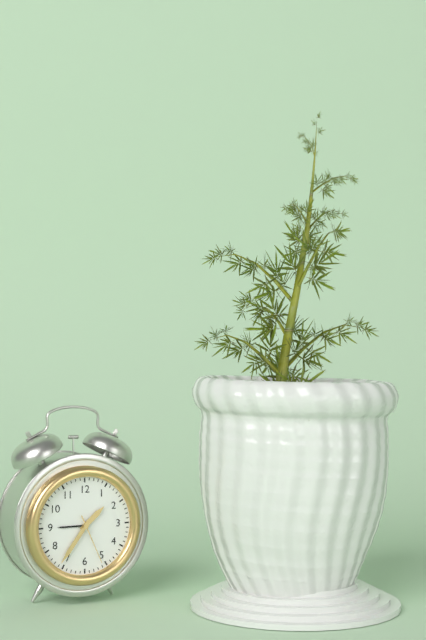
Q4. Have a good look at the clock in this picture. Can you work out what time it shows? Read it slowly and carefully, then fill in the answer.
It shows 1:36:26
